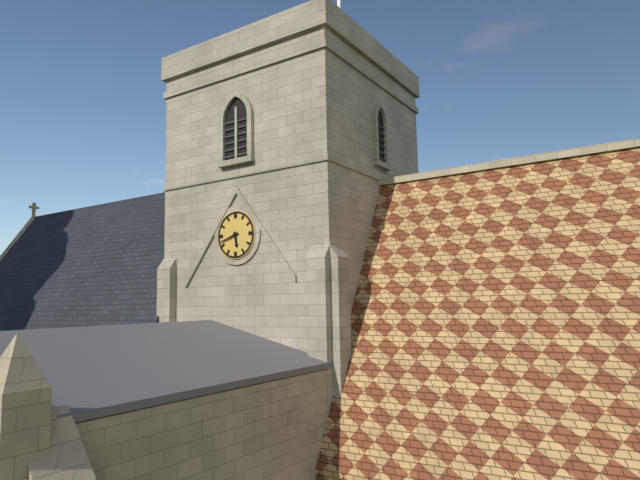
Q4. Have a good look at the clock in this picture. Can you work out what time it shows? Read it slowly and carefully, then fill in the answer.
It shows 5:42
